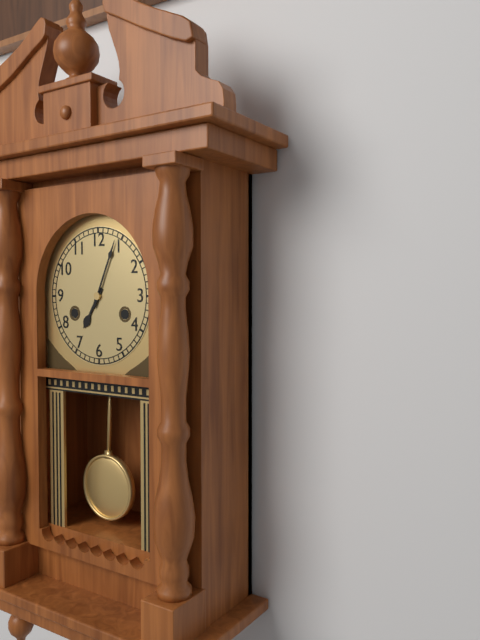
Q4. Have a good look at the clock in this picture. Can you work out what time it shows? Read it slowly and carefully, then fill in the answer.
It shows 7:04
